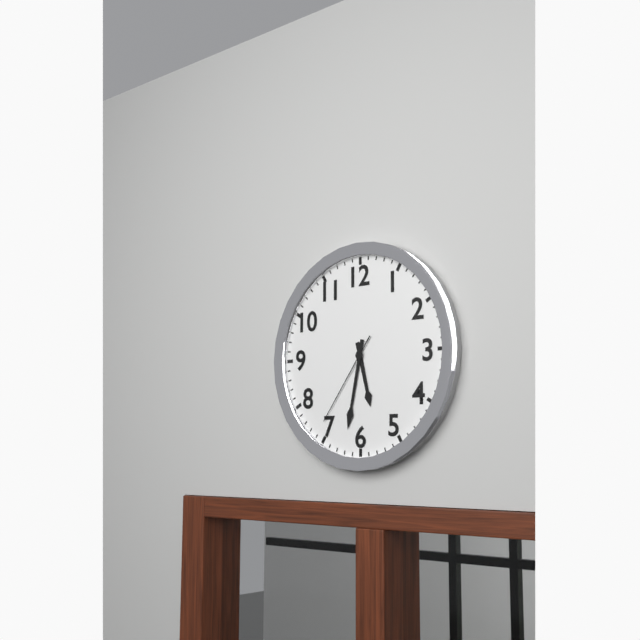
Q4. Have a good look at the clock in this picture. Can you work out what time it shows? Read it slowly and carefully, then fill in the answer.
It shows 5:32:36
